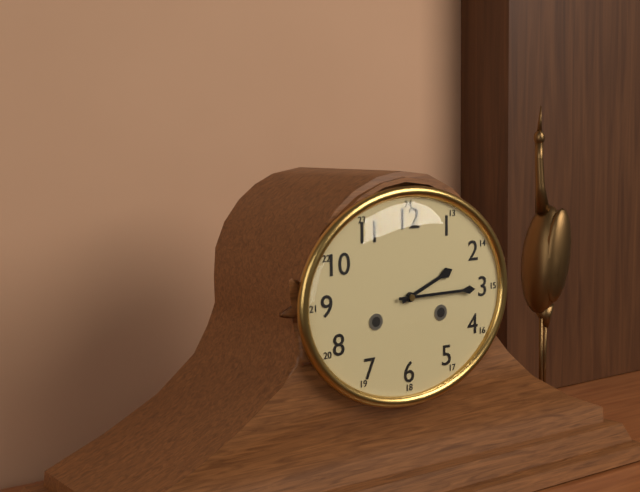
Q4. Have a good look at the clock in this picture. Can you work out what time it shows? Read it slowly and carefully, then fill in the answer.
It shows 2:15
